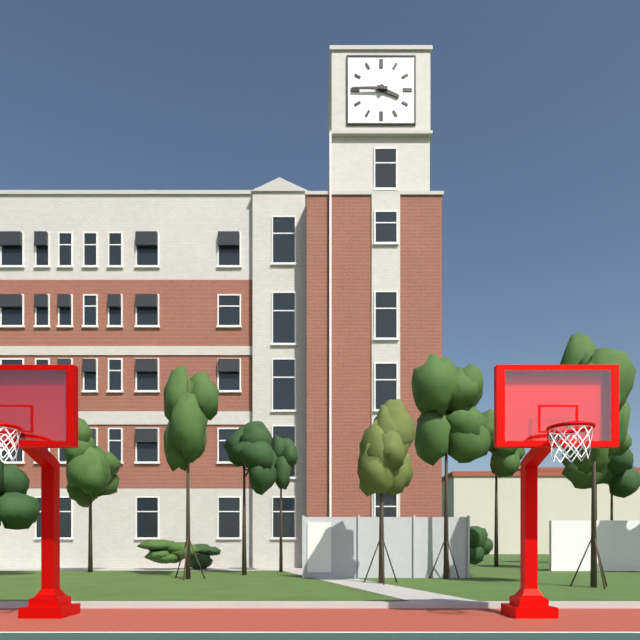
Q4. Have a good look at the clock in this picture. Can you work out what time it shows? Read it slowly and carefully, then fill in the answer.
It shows 3:45
